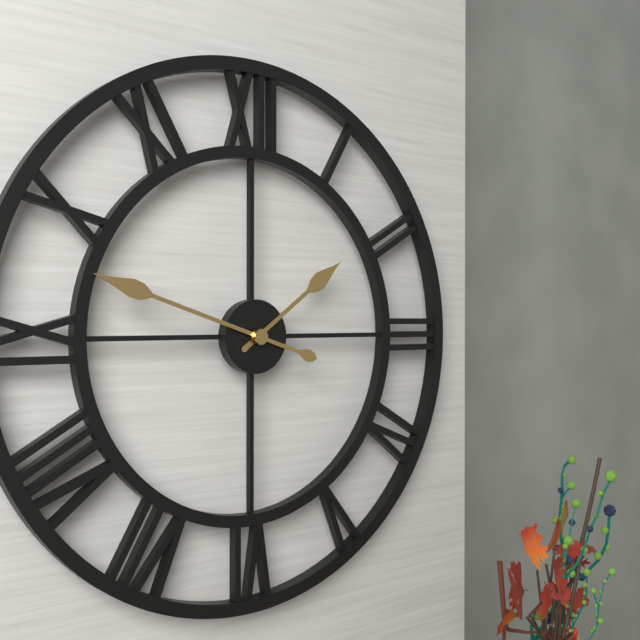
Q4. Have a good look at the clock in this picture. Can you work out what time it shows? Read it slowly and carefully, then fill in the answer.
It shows 1:48
